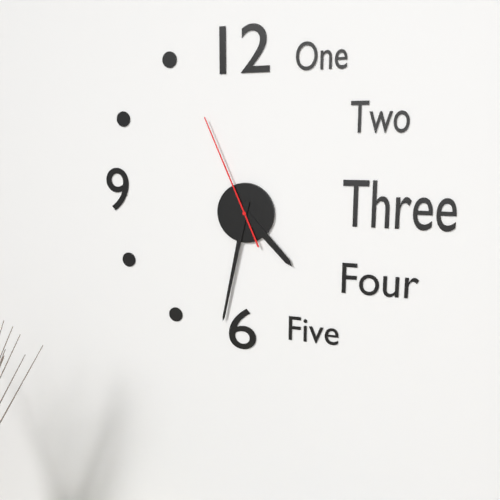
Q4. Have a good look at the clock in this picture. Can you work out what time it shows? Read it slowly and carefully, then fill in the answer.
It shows 4:32:56
